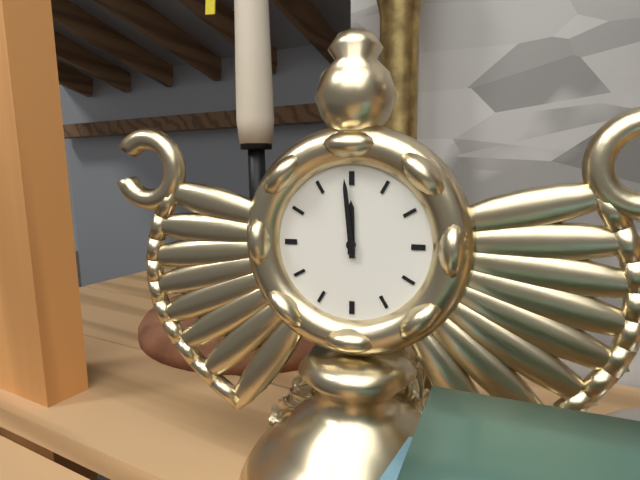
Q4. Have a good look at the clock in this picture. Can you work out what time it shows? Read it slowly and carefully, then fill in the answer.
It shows 11:59
